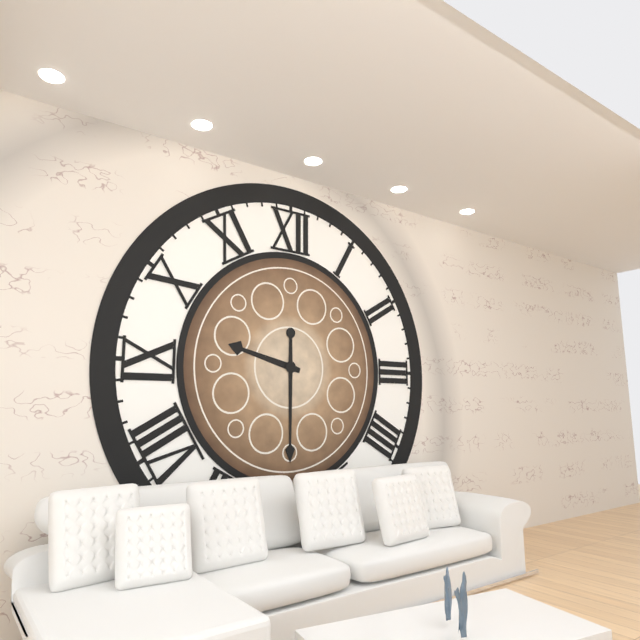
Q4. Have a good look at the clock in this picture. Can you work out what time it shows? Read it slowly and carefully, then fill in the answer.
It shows 9:30
